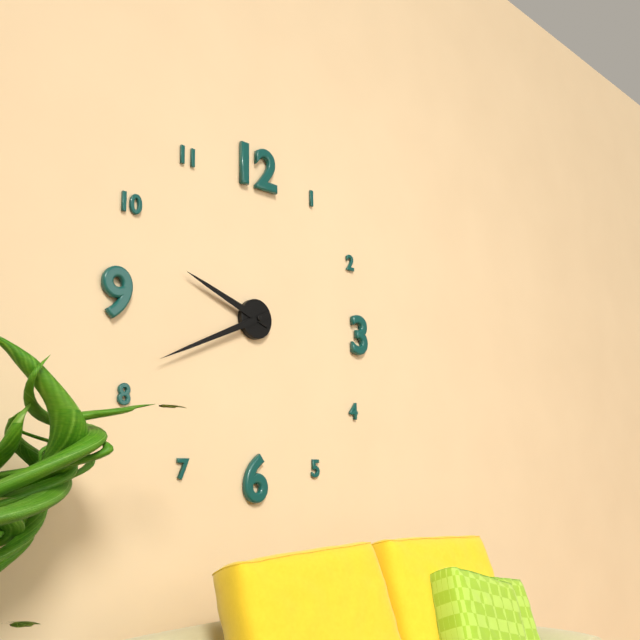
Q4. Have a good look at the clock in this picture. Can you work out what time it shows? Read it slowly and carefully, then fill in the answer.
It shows 9:41
